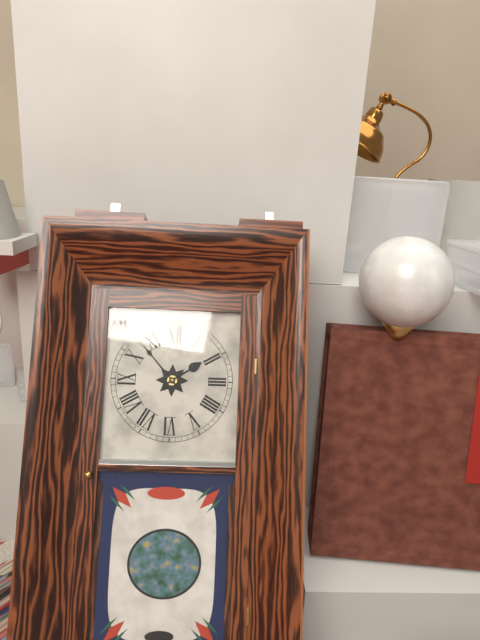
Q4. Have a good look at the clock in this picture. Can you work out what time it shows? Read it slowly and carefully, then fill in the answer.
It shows 1:53
